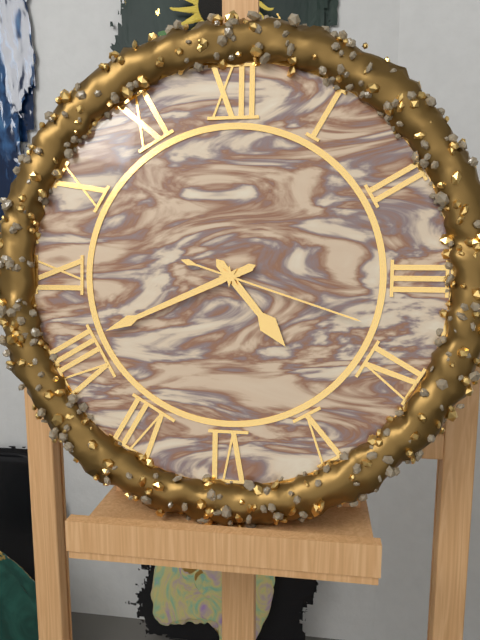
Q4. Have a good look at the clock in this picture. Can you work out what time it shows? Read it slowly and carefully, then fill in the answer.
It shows 4:41:18
